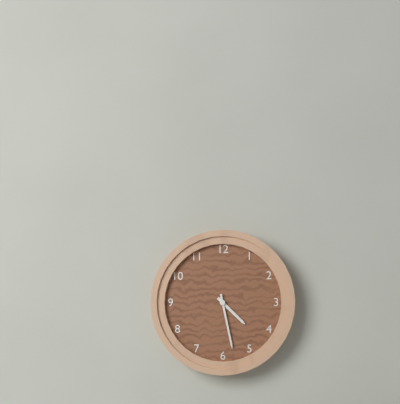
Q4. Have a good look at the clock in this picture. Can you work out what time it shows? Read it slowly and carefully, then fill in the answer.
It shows 4:28
